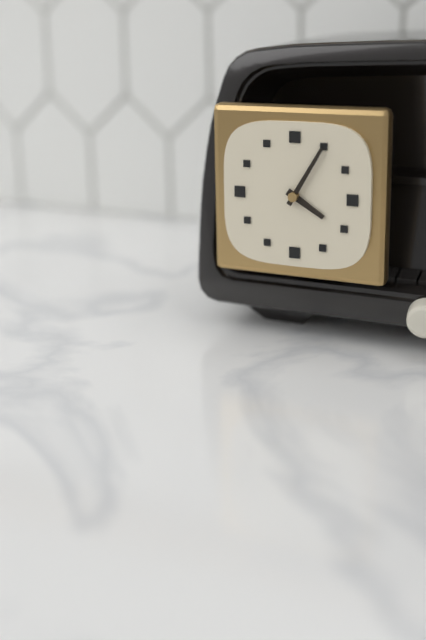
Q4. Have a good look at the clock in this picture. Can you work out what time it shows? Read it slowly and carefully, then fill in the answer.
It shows 4:05
